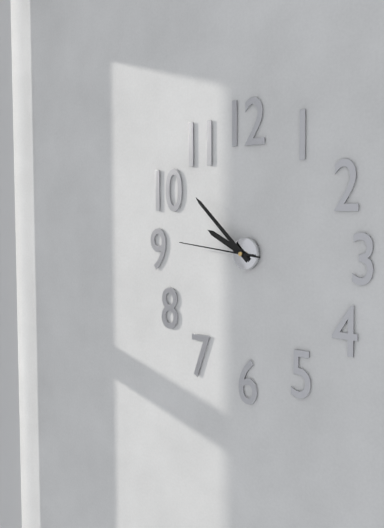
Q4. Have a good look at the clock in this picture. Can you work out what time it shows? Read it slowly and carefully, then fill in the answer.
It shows 9:52:46
